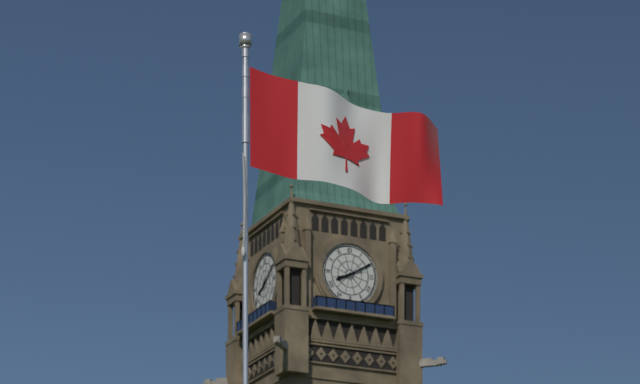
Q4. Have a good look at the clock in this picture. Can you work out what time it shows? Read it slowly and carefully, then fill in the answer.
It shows 8:10
